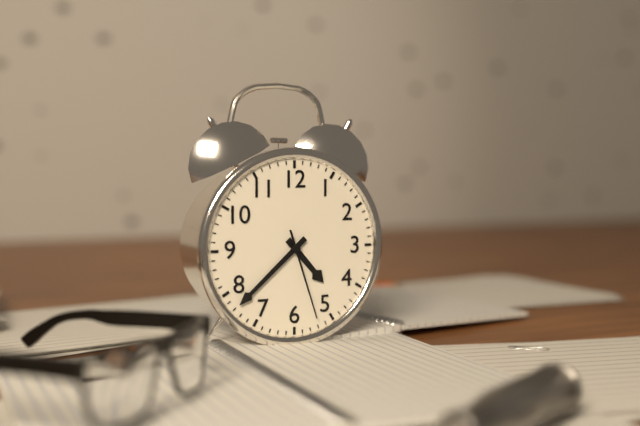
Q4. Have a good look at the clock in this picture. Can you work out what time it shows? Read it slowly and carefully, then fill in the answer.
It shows 4:38:27
